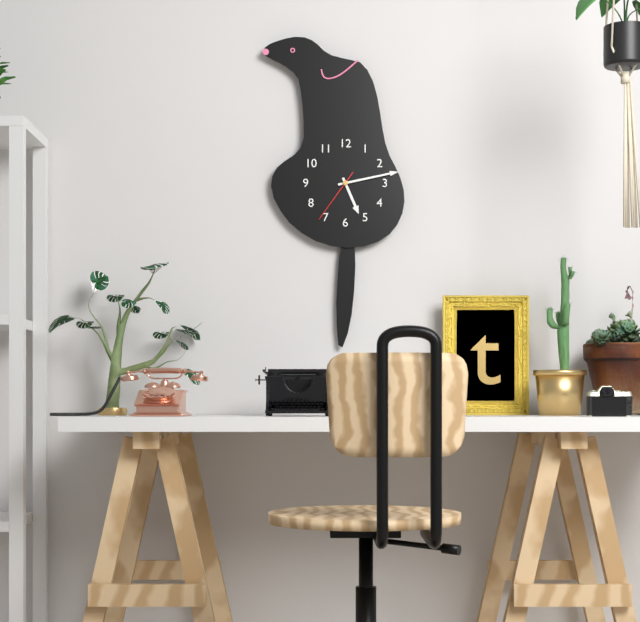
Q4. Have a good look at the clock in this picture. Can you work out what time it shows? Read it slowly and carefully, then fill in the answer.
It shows 5:13:36
